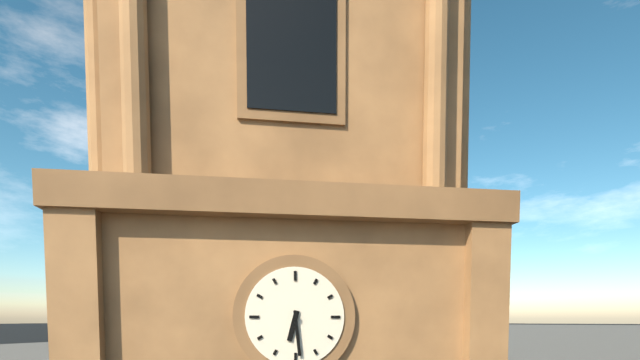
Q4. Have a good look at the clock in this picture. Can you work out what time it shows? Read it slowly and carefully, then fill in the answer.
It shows 6:29
